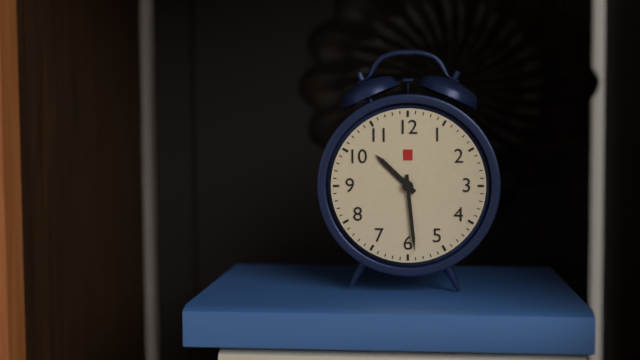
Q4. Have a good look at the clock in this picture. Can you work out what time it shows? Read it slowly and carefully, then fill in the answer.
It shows 10:29
